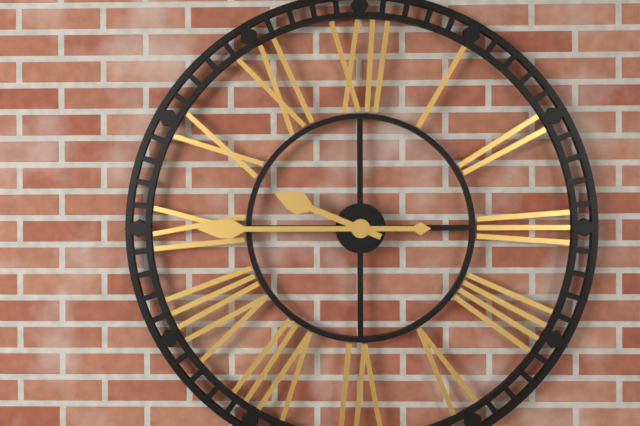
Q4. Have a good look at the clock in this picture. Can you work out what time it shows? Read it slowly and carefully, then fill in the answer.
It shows 9:45
